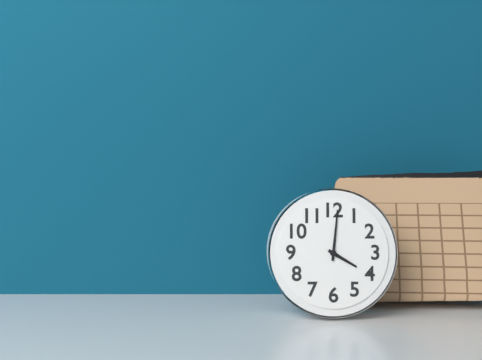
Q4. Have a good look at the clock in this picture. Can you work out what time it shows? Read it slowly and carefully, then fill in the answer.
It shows 4:01
